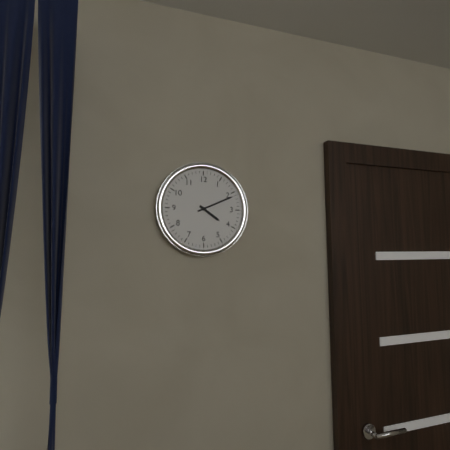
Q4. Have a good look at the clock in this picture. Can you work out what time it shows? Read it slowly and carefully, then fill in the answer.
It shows 4:11
